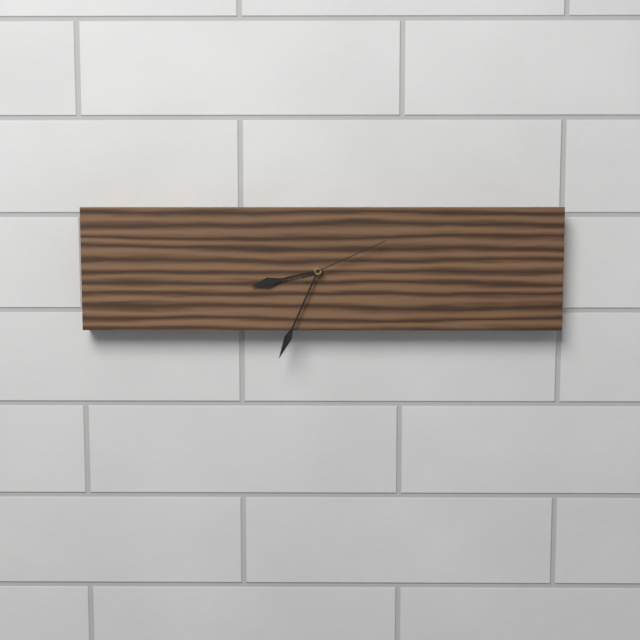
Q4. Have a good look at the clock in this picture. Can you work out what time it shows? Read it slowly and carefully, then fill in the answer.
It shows 8:34:11
